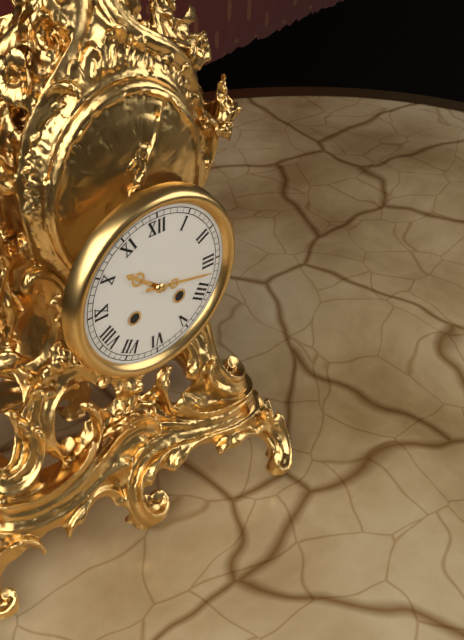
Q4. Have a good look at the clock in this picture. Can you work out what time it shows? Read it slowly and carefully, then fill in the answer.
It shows 10:17
